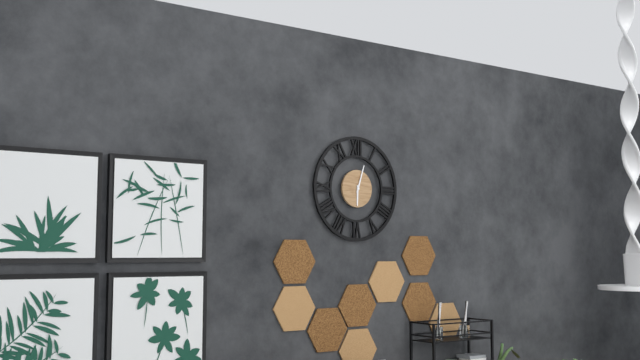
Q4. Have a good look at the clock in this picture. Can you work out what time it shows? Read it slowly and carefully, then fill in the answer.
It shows 6:03
